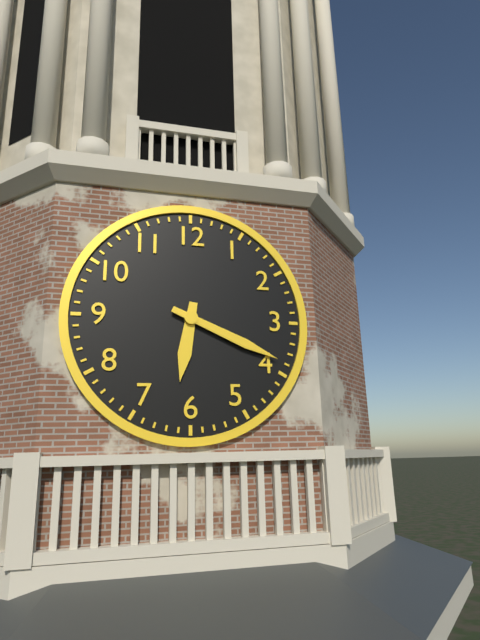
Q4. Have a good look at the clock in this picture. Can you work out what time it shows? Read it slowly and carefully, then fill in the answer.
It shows 6:19
